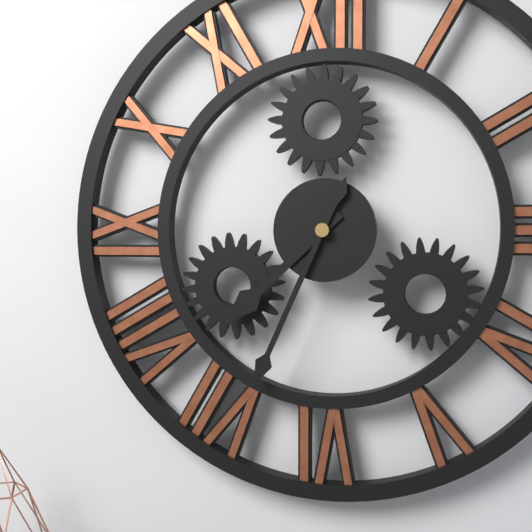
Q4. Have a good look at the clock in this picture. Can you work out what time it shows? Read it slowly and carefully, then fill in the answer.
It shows 7:34
